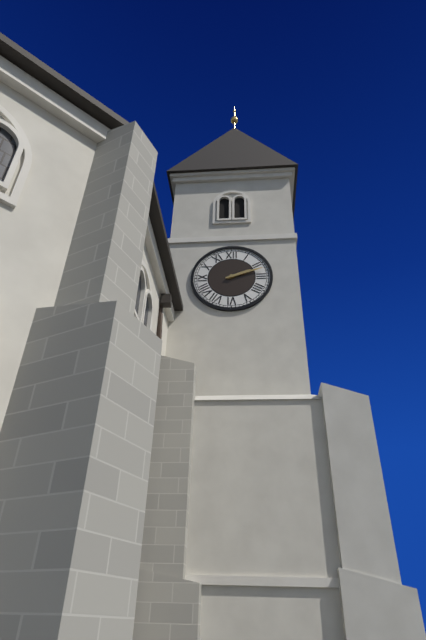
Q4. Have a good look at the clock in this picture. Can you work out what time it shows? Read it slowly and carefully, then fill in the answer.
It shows 2:12
